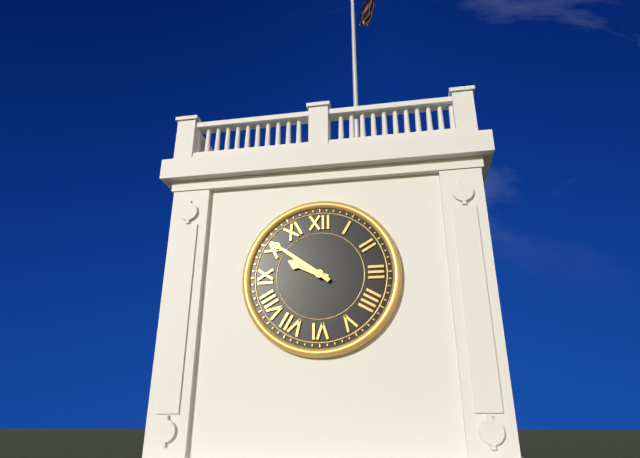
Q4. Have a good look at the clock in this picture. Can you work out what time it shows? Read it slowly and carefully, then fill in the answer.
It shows 9:51
